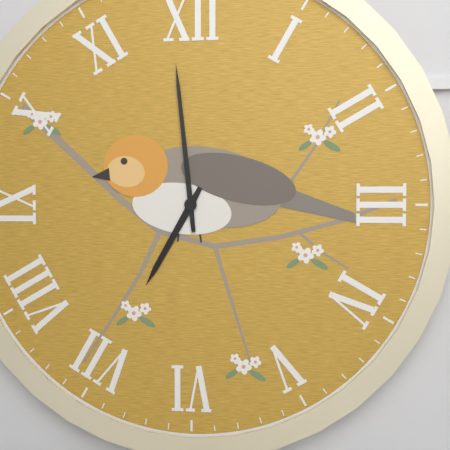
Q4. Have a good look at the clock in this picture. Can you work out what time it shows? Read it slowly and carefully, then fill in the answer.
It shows 6:59
